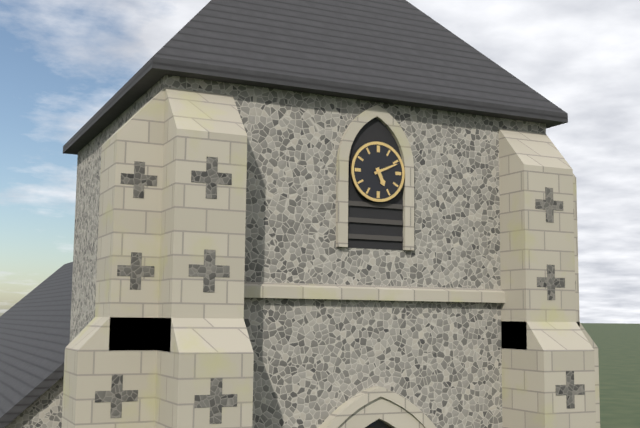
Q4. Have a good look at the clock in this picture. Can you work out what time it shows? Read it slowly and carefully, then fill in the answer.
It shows 5:11
